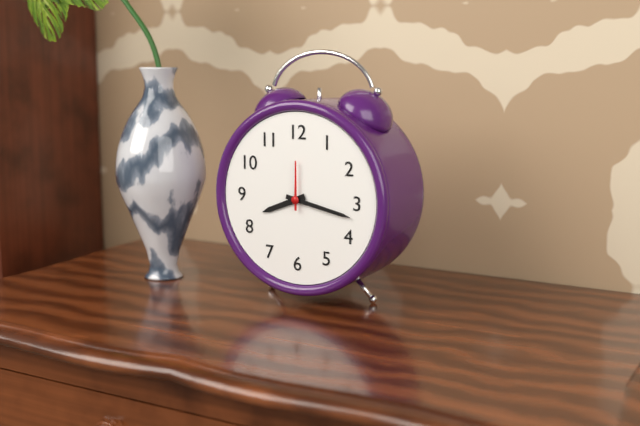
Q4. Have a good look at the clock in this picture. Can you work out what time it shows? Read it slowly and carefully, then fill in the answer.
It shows 8:17
